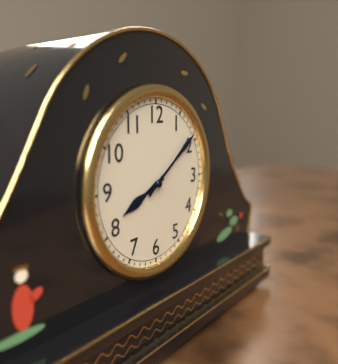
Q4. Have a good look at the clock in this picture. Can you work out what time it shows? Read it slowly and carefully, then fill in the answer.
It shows 8:09
